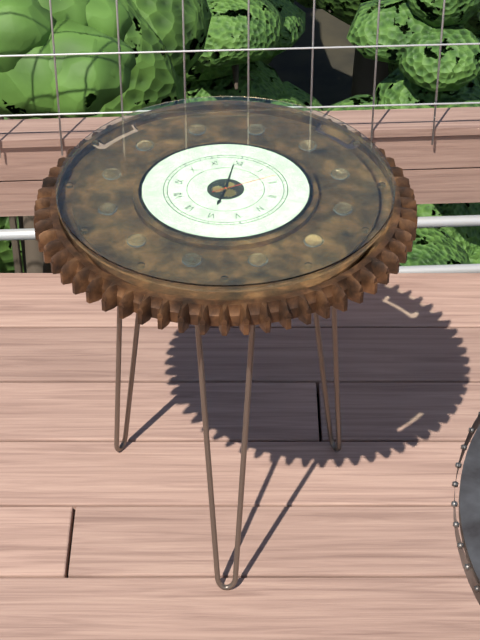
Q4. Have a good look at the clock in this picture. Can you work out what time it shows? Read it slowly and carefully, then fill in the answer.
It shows 5:59:08
